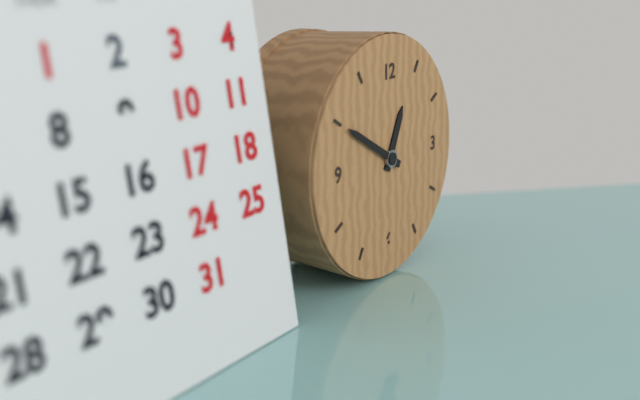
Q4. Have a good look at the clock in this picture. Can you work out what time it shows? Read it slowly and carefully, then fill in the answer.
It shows 12:50
